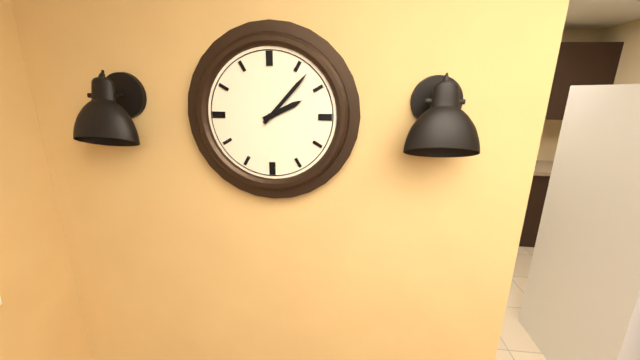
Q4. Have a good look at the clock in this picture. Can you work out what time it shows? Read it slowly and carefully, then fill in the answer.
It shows 2:07
